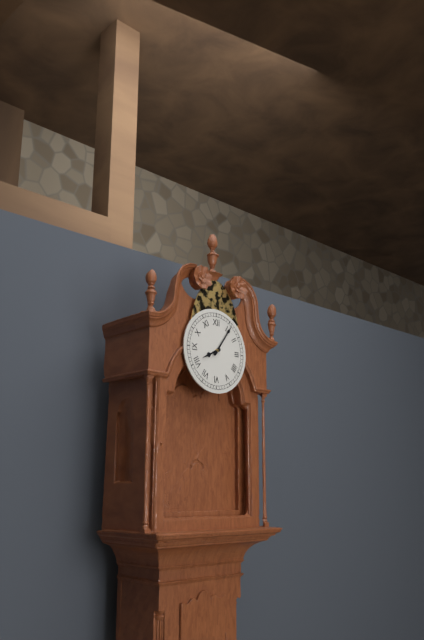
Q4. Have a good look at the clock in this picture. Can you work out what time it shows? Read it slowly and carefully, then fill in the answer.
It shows 8:06
